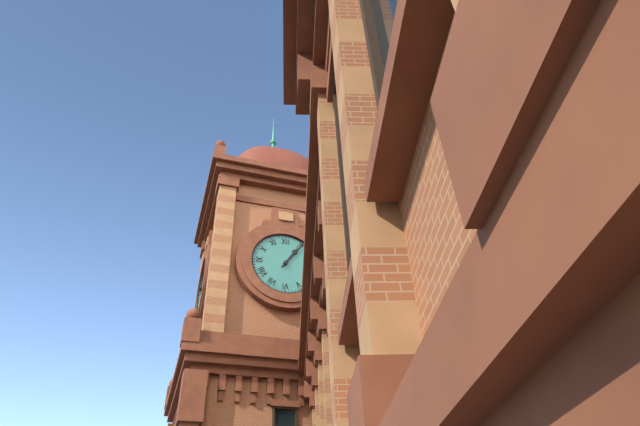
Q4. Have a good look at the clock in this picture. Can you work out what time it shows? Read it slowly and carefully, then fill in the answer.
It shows 1:06
